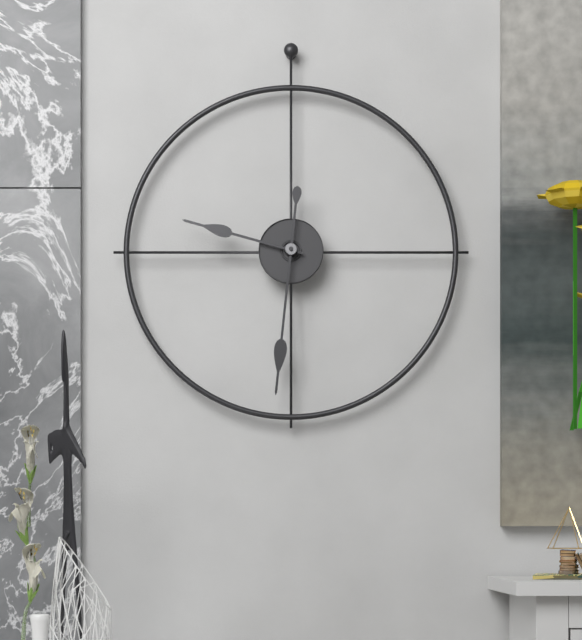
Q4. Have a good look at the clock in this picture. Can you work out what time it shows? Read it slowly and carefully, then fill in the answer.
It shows 9:31
